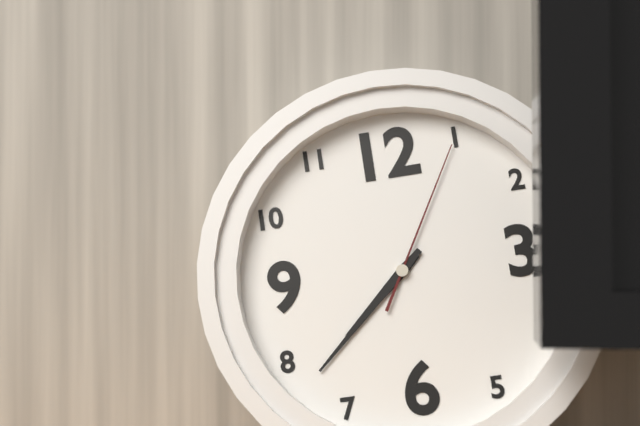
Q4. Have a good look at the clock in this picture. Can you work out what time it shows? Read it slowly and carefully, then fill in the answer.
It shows 7:38:05
